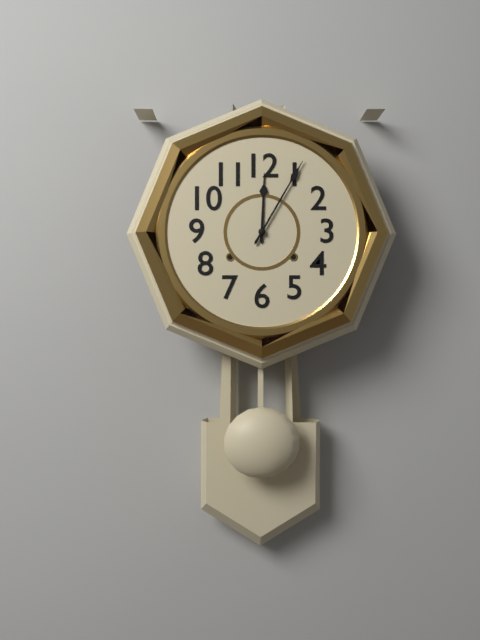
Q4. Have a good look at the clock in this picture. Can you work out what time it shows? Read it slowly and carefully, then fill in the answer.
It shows 12:05
